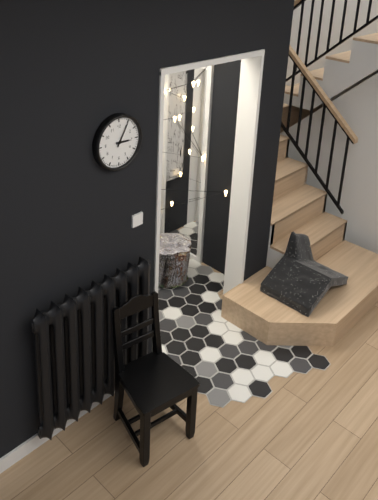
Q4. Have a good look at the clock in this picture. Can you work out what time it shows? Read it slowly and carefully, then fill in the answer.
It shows 3:05
